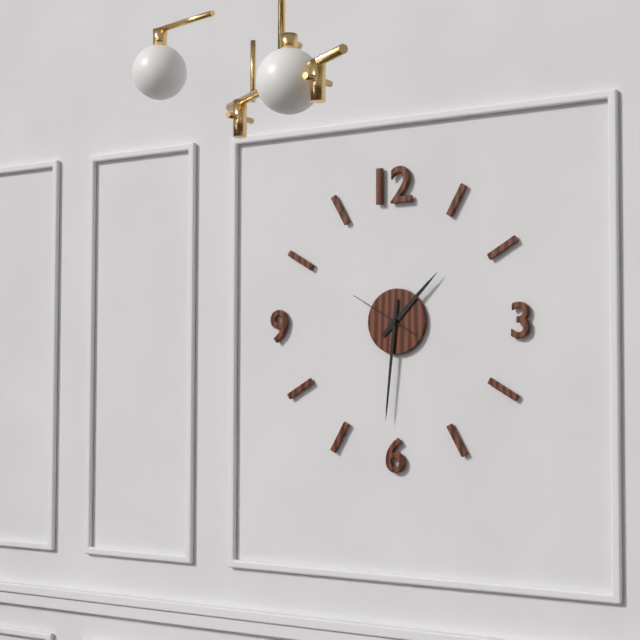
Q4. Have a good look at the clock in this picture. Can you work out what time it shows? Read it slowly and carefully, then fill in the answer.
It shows 1:31:50
